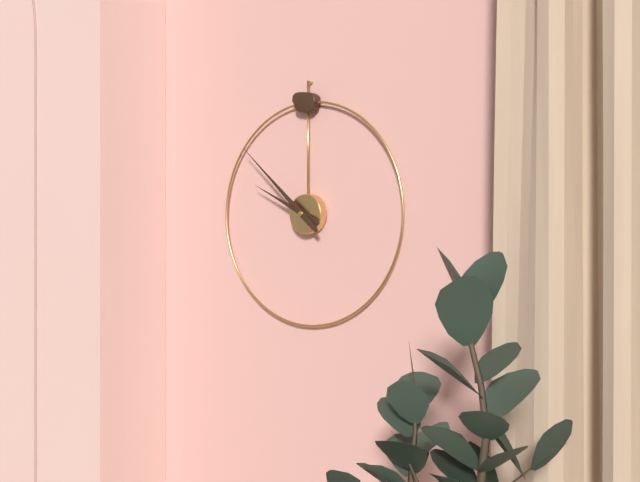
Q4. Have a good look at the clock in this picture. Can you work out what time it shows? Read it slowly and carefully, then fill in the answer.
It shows 9:52
